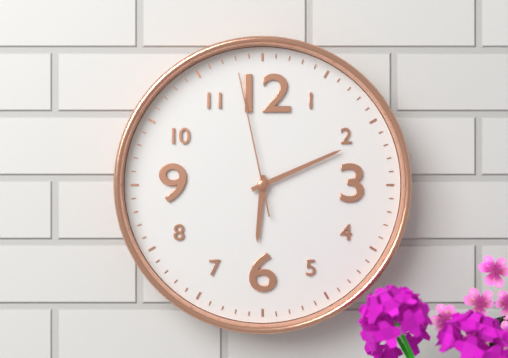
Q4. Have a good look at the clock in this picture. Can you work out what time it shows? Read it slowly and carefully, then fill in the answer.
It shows 6:11:58
